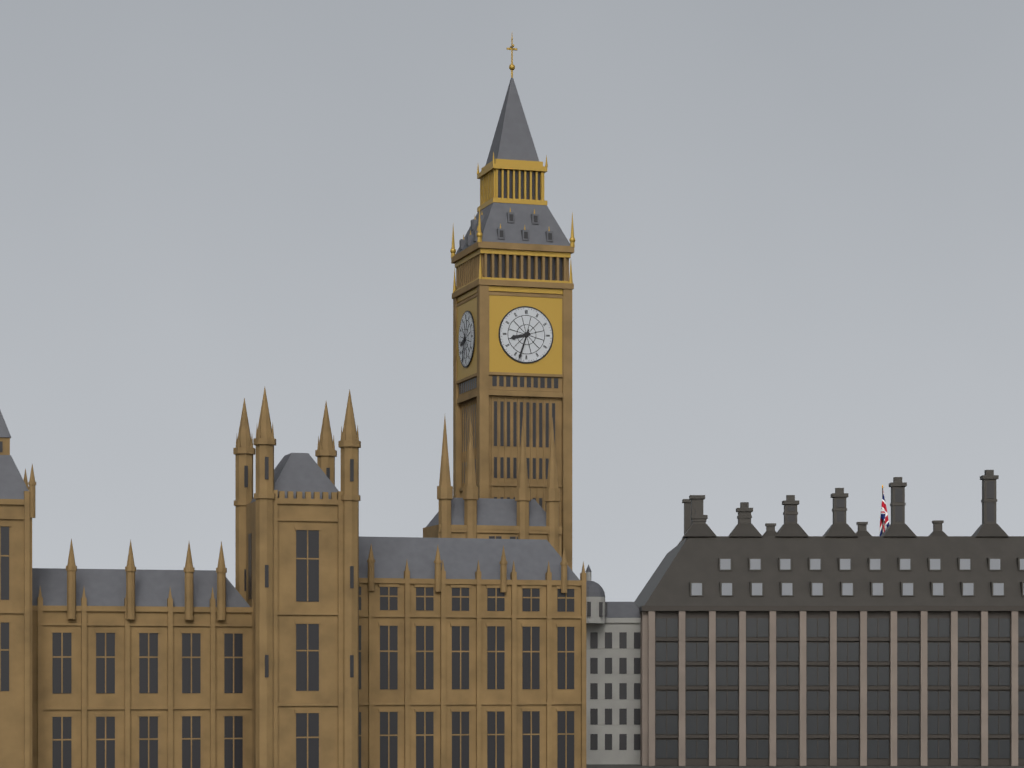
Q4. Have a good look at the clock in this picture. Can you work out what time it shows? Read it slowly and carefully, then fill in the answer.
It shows 8:33
